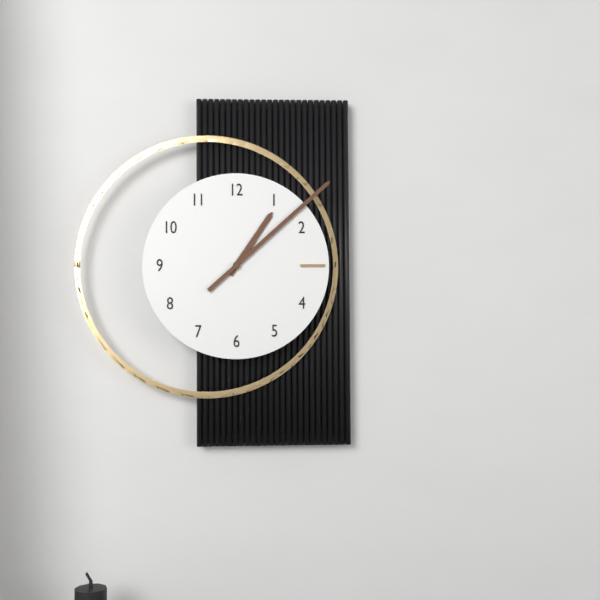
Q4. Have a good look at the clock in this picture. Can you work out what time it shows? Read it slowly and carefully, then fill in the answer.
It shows 1:08
